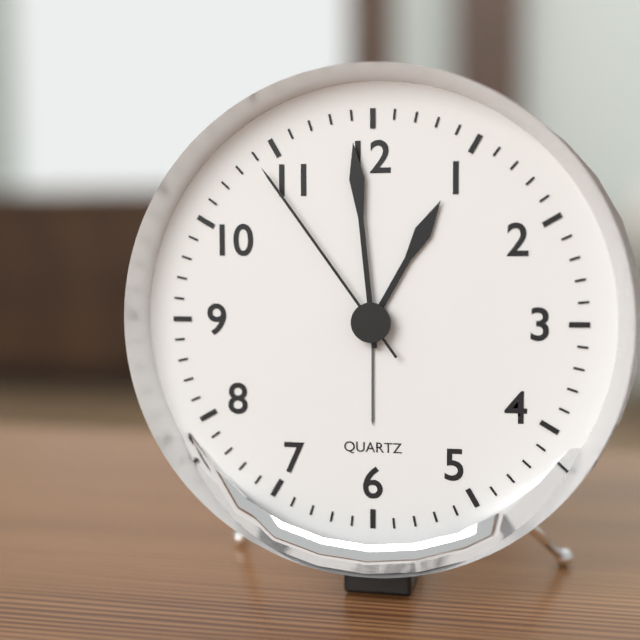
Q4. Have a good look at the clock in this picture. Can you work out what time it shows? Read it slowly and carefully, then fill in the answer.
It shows 12:59:54
